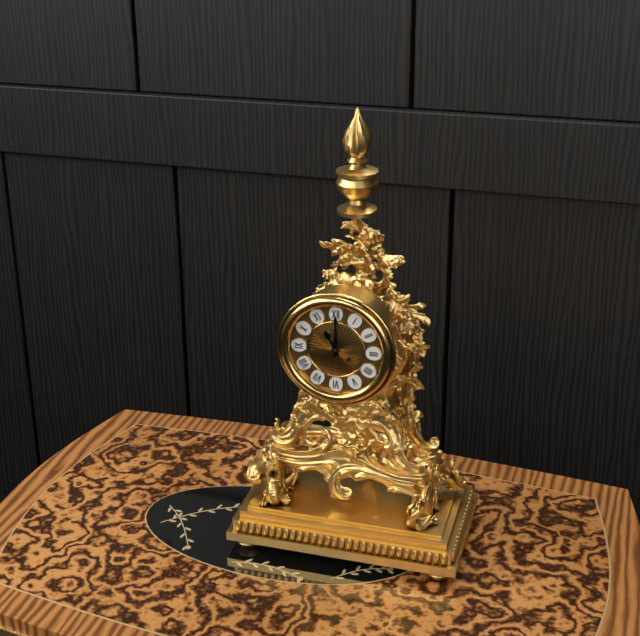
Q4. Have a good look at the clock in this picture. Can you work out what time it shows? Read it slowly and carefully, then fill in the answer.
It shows 11:00
